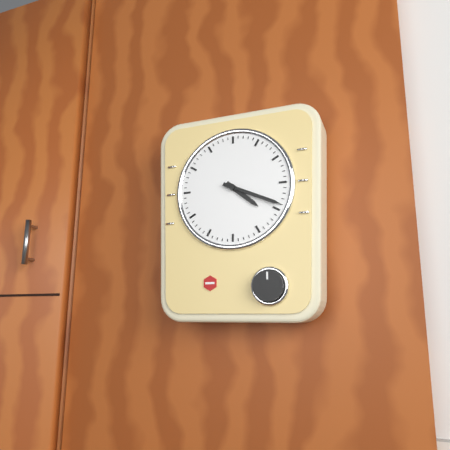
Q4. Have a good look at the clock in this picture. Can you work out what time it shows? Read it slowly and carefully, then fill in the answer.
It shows 4:19
